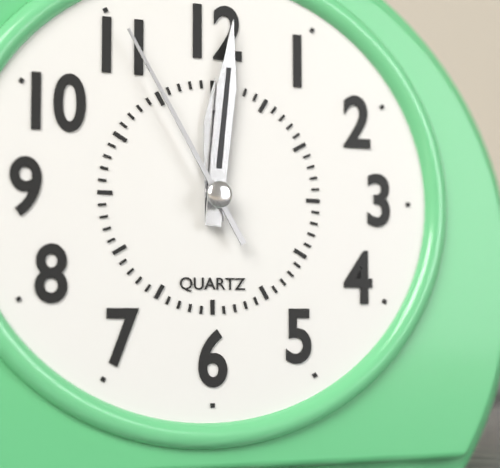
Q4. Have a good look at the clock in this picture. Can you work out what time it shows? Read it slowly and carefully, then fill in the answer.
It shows 12:01:55
